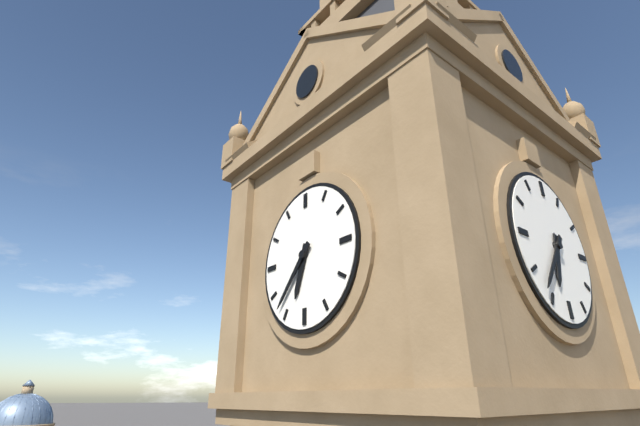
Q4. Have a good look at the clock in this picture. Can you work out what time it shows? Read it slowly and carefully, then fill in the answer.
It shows 6:37
